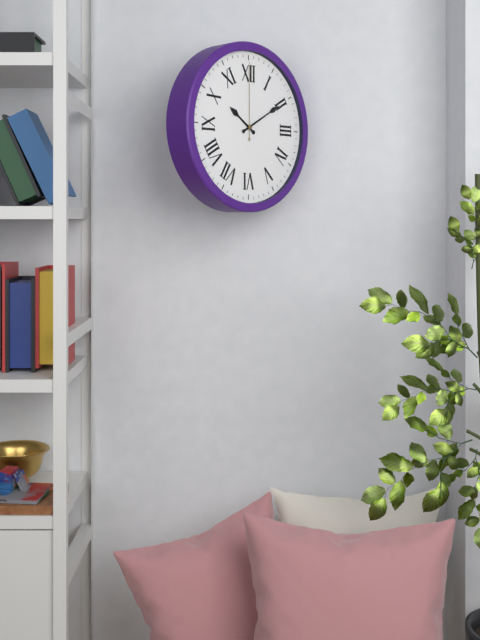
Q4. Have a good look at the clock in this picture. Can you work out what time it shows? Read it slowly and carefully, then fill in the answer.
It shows 10:10:00
